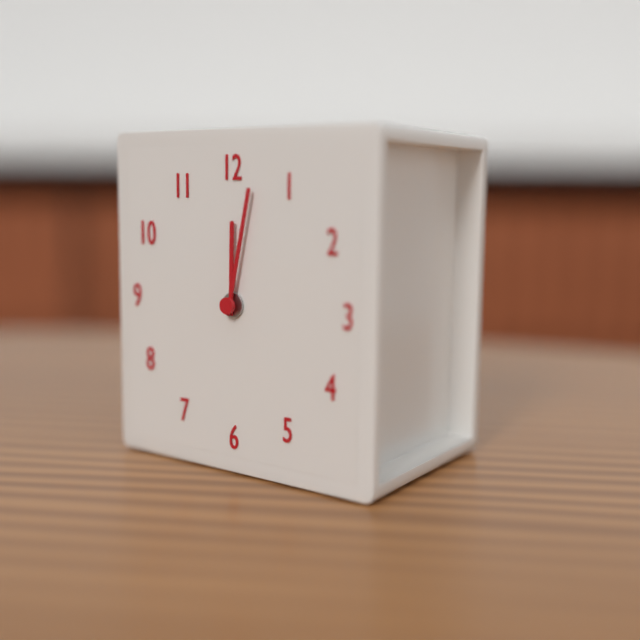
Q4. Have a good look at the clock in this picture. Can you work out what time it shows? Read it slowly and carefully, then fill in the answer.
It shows 12:02
